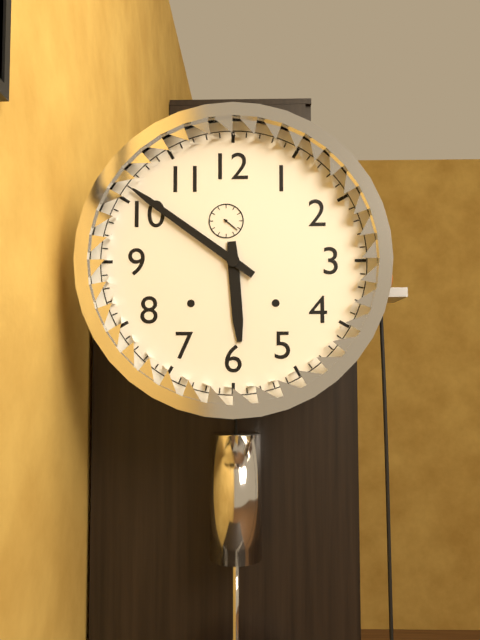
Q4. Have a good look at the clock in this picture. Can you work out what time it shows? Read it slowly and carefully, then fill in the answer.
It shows 5:51
